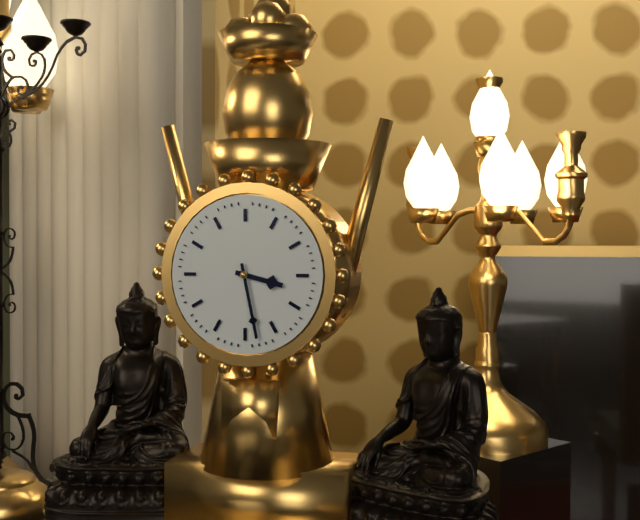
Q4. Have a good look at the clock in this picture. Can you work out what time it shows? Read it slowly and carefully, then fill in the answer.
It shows 3:28
